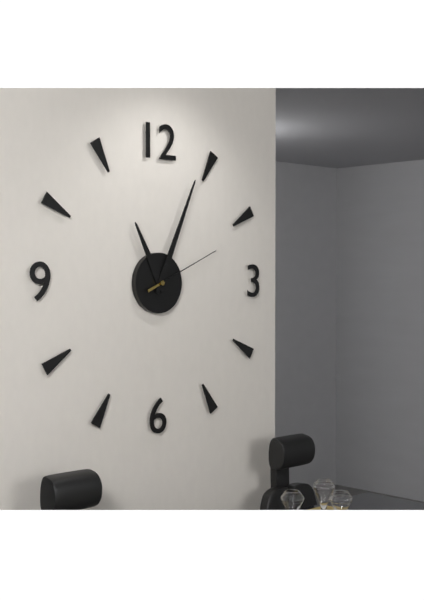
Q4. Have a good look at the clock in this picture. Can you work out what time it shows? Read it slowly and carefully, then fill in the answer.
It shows 11:04:11
